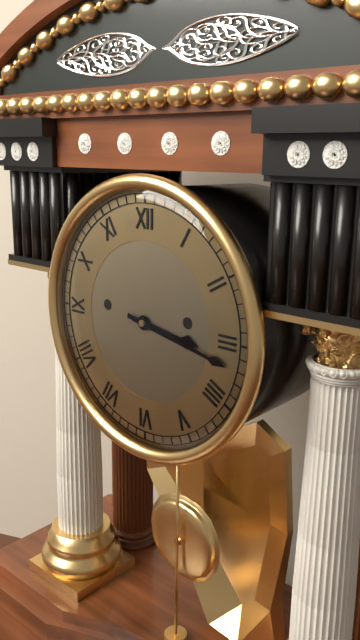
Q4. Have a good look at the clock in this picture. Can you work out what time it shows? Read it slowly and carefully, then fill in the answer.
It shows 3:17
